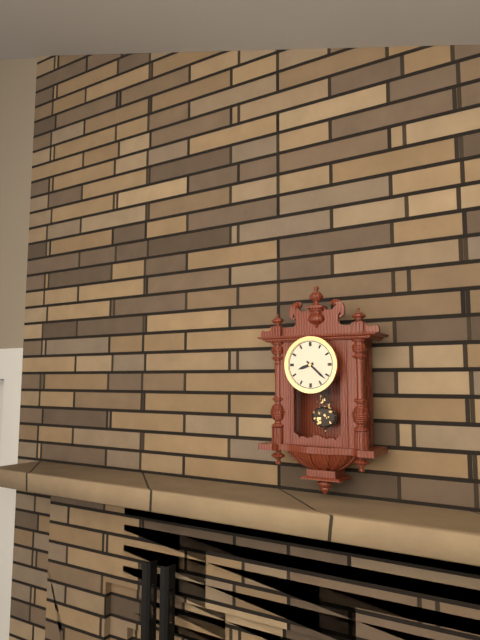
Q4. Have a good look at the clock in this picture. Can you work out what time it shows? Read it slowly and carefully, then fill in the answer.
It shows 8:22
